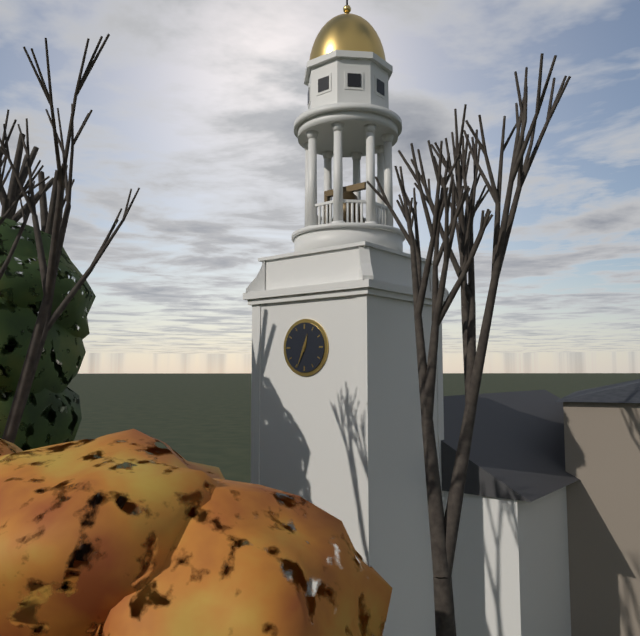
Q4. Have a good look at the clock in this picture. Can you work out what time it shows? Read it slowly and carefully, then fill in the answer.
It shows 12:34
